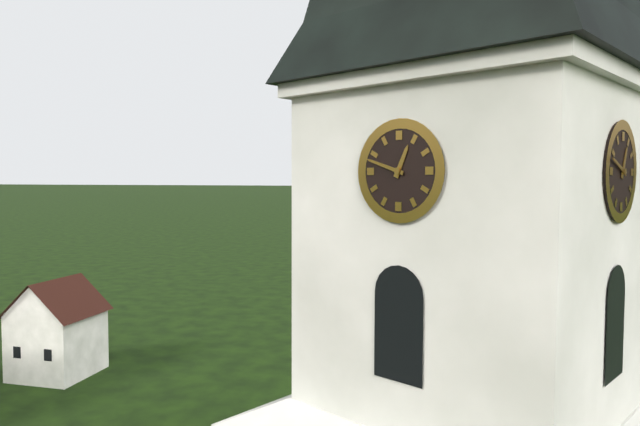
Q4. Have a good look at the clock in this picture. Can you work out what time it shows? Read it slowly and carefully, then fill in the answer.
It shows 12:48
